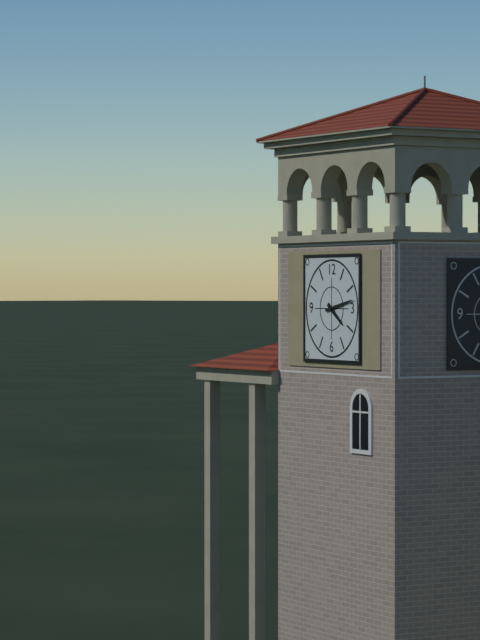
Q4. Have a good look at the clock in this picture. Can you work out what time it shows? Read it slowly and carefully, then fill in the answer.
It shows 4:13
